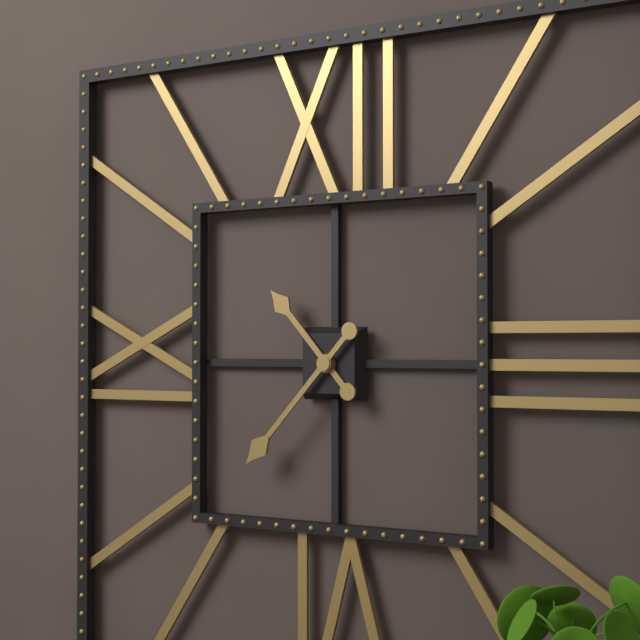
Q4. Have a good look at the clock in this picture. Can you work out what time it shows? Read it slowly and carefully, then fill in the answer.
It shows 10:37
